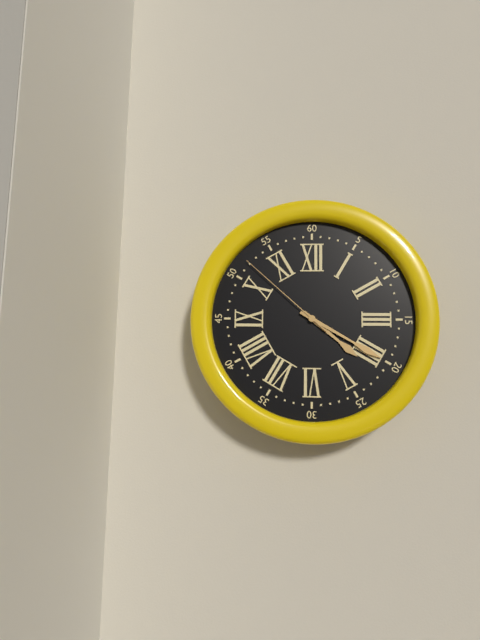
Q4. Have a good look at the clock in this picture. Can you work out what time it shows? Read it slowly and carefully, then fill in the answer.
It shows 4:20:52
